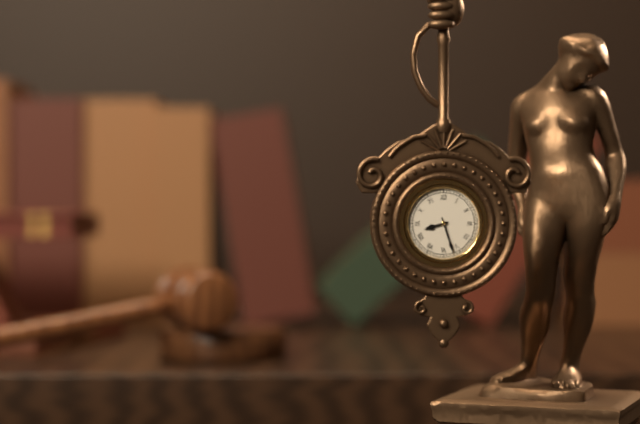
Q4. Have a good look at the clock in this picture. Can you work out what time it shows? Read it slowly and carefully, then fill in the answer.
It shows 8:27
